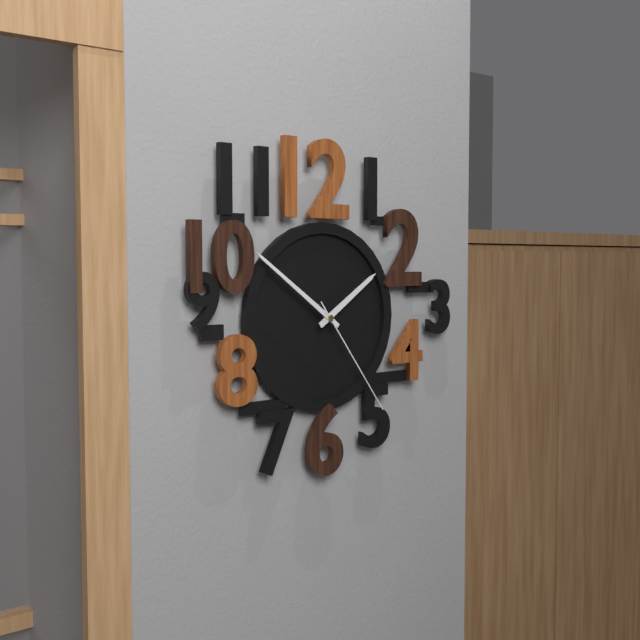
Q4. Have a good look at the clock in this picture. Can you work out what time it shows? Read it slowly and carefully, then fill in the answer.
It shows 1:51:24
